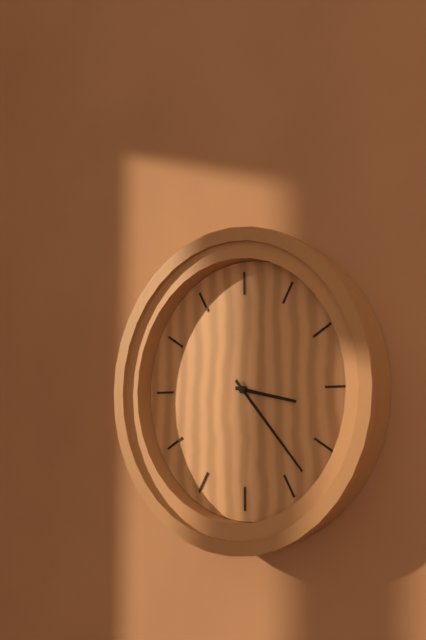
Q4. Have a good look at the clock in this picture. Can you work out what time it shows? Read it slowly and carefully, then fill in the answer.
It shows 3:23
